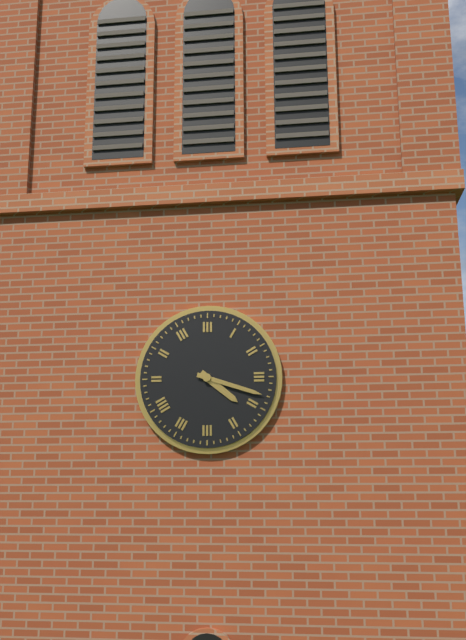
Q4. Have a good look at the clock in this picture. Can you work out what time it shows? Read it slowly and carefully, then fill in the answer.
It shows 4:18
